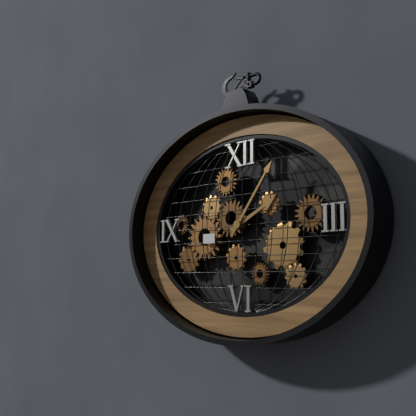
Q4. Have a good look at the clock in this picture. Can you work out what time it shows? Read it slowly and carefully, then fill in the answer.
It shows 2:06
